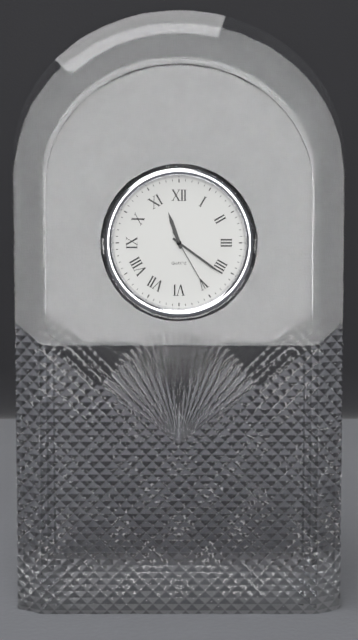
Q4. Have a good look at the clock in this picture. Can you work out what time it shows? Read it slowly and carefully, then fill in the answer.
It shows 11:21:25
